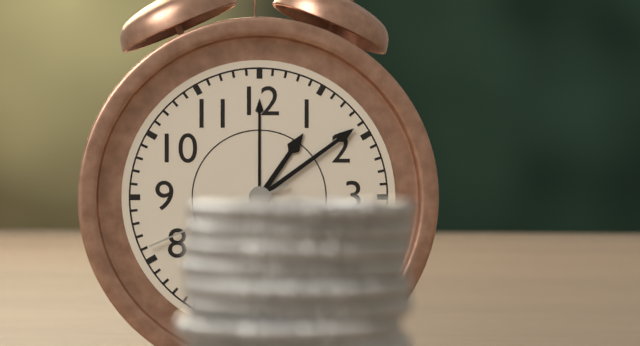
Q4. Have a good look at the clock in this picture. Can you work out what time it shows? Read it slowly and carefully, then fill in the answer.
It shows 1:09:41
